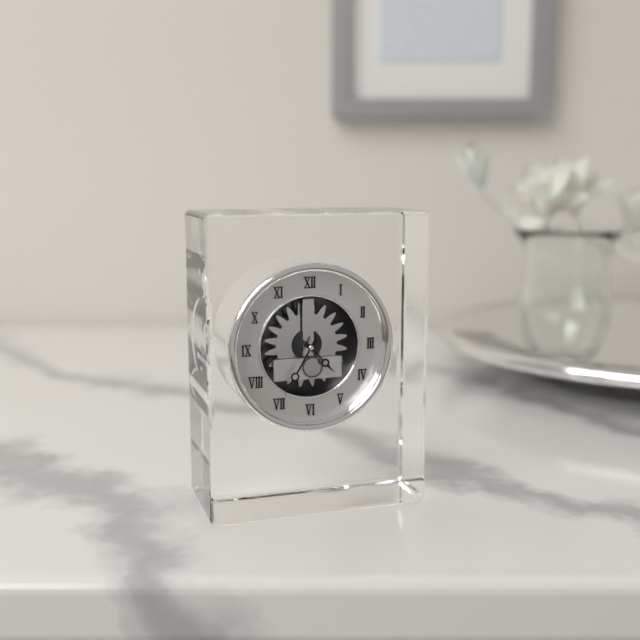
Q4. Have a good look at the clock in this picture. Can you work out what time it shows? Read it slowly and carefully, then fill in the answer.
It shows 4:35
